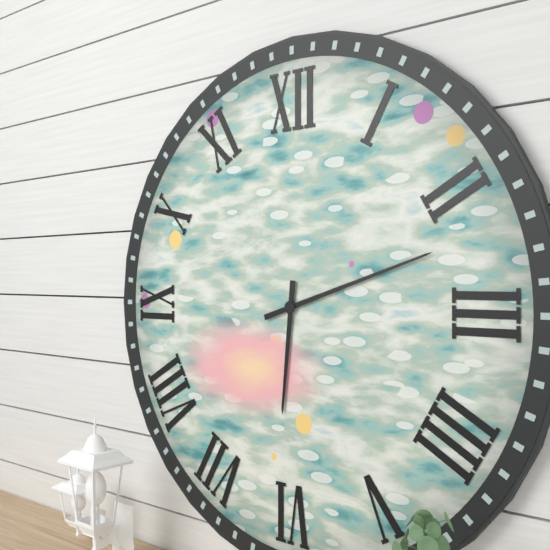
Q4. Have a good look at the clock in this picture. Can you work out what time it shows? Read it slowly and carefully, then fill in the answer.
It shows 6:12
